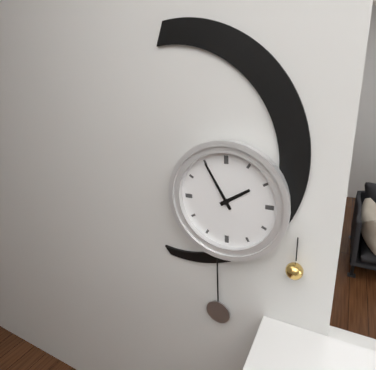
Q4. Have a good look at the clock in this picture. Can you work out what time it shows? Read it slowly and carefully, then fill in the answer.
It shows 1:55
